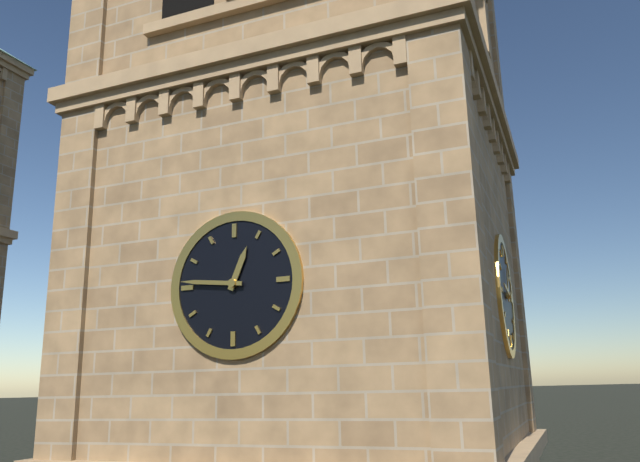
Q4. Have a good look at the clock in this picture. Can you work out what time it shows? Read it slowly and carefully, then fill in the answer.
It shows 12:46
